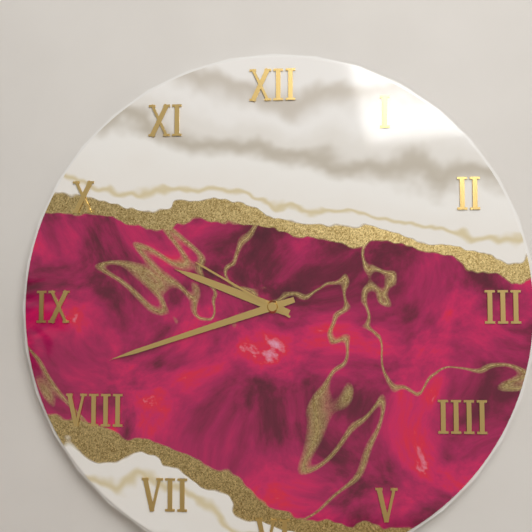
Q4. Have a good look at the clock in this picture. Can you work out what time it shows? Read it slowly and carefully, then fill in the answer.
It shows 9:42:50
